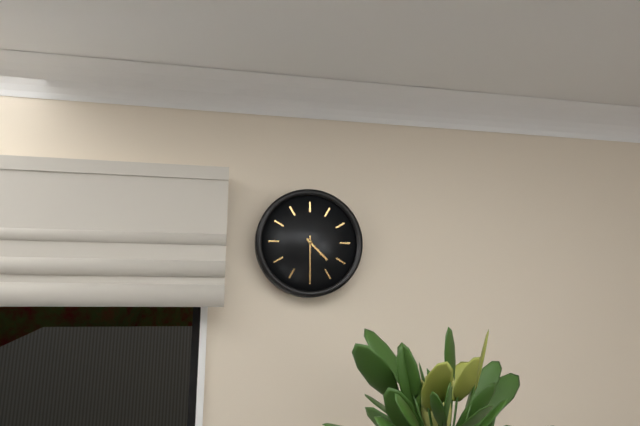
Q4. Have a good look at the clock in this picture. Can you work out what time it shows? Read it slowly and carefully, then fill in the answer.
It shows 4:30
